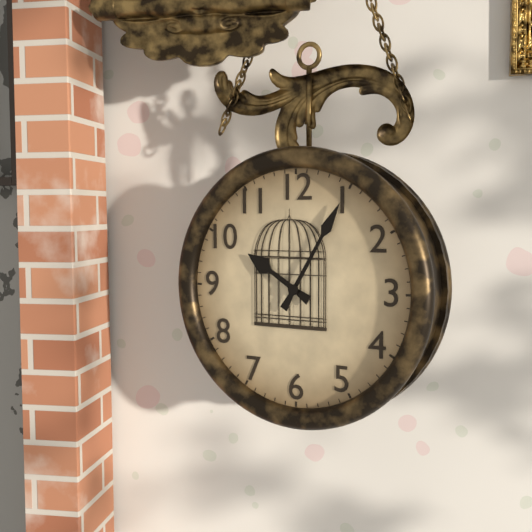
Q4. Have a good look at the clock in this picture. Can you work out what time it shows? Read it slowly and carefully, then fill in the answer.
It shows 10:05
